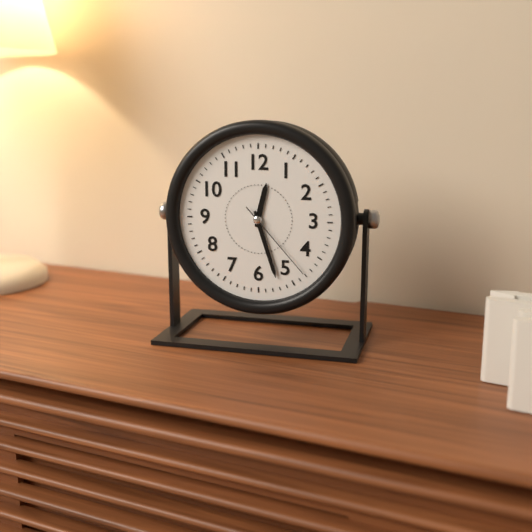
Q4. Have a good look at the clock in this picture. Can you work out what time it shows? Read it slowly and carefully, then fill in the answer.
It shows 12:27:23
